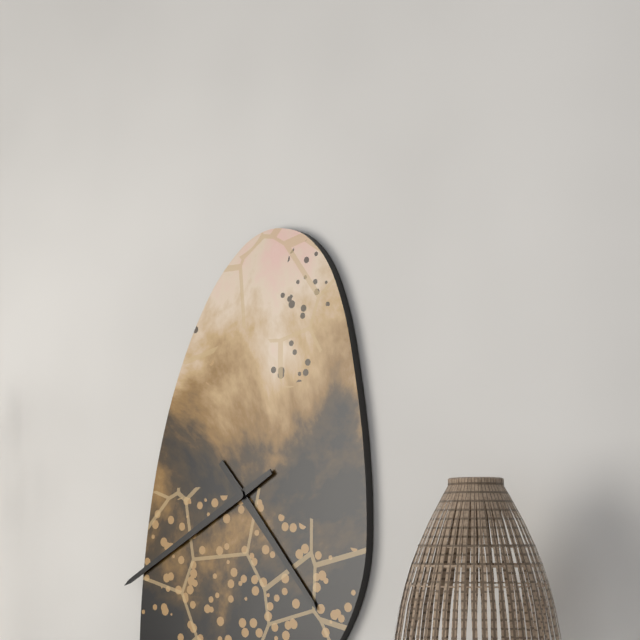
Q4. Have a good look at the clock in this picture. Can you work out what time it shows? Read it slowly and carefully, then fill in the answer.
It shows 4:40
